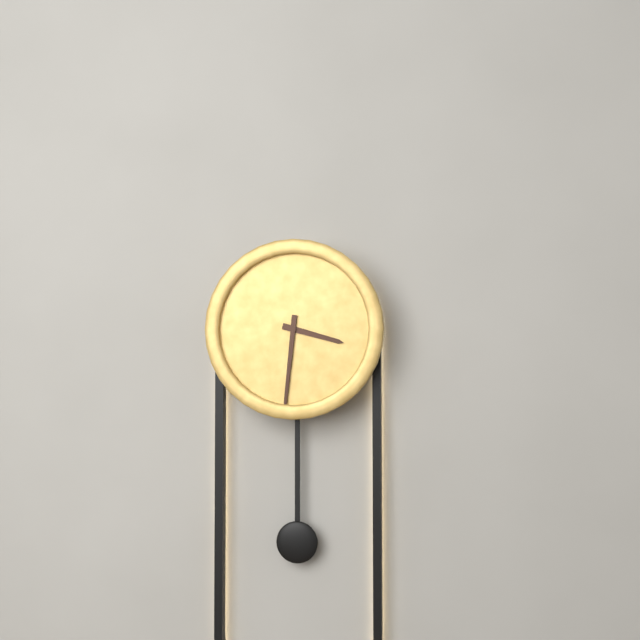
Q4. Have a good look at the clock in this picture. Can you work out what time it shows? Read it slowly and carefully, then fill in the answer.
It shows 3:31
